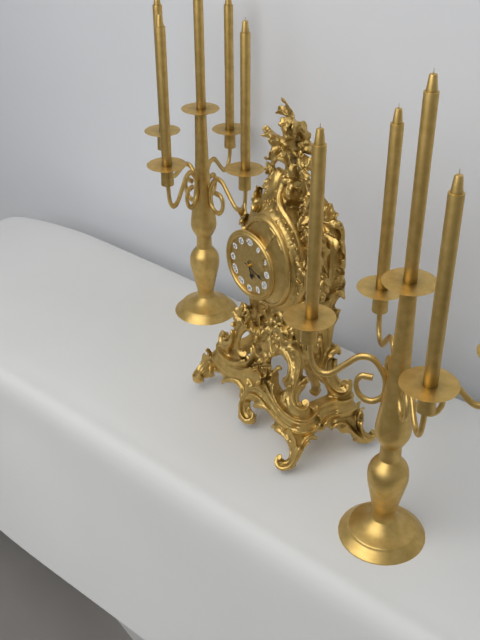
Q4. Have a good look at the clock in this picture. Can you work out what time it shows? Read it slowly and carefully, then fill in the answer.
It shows 5:18
